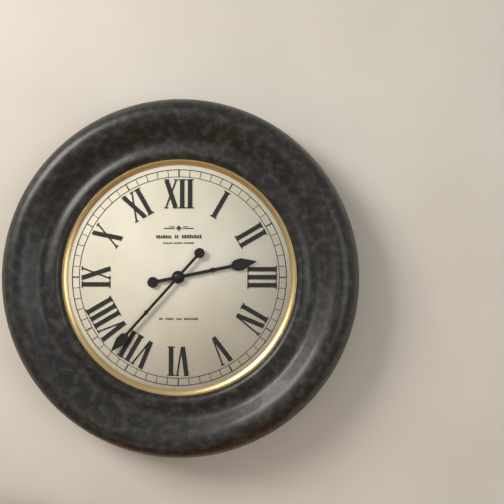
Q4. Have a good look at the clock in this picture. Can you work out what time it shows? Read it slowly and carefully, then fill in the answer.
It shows 2:37
